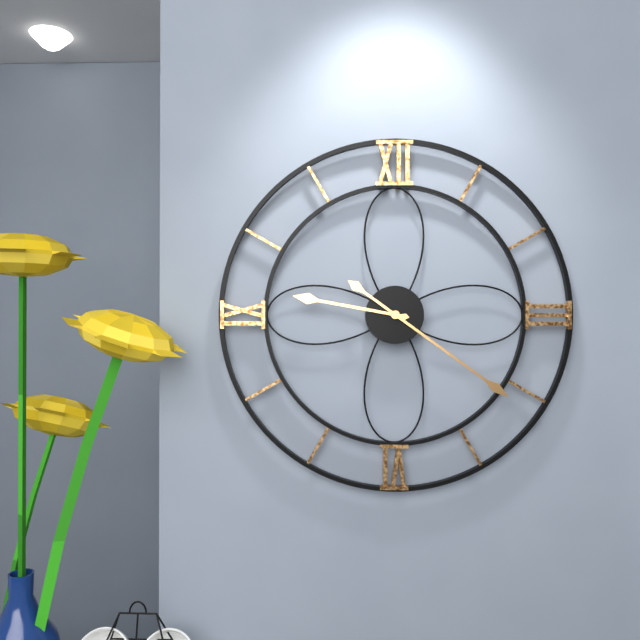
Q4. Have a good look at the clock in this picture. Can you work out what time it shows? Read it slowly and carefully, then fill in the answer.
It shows 9:21
